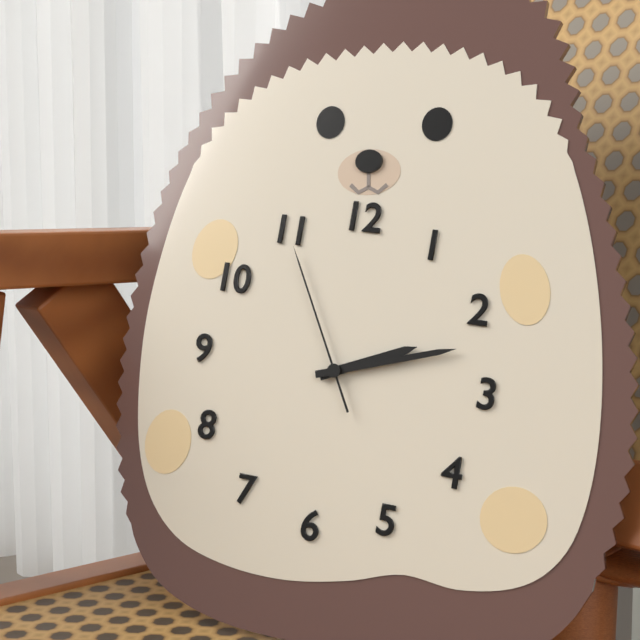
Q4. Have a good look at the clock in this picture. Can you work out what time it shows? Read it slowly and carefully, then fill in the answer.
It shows 2:12:55
